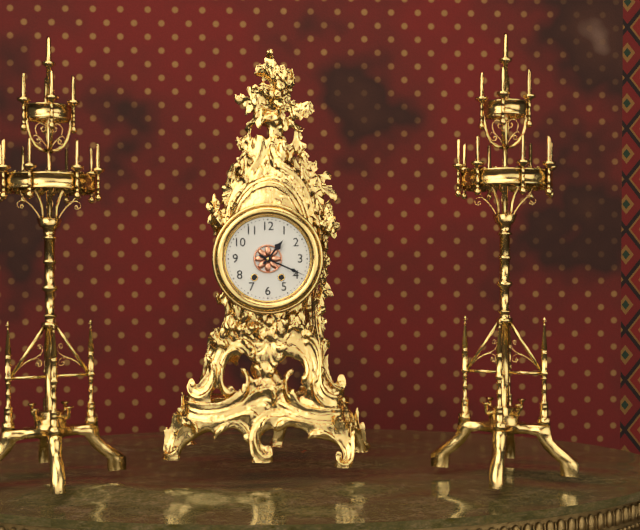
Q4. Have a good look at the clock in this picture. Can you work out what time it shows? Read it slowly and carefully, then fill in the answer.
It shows 1:19
